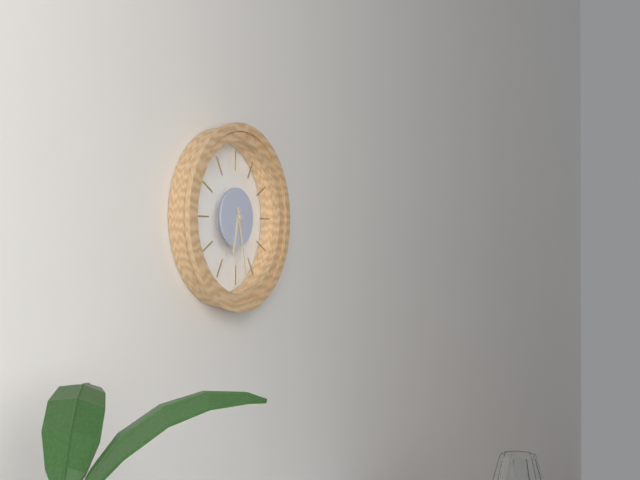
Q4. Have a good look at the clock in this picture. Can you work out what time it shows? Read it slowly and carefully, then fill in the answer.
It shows 6:28
